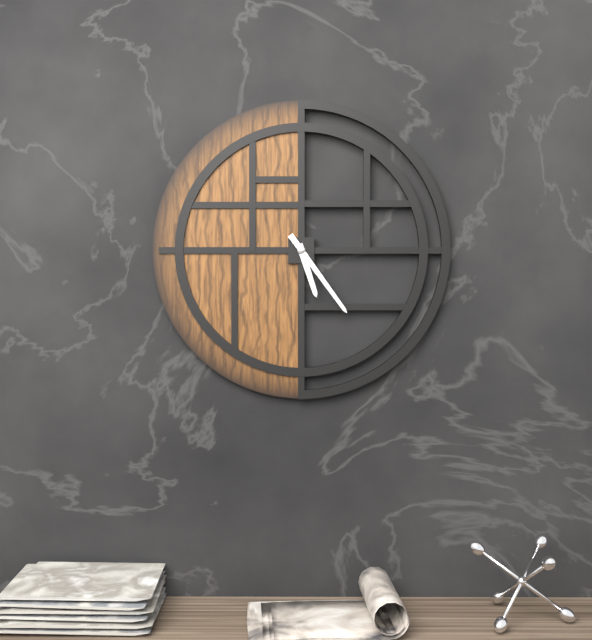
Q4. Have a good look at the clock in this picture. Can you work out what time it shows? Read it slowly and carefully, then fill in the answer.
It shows 5:24
